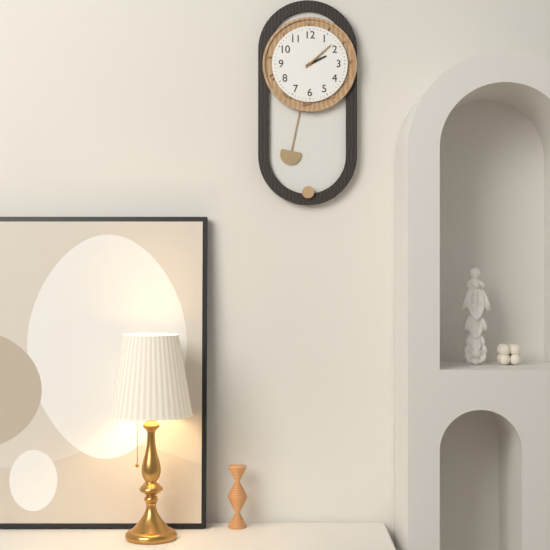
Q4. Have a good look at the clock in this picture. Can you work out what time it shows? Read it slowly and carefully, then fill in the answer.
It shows 2:08
